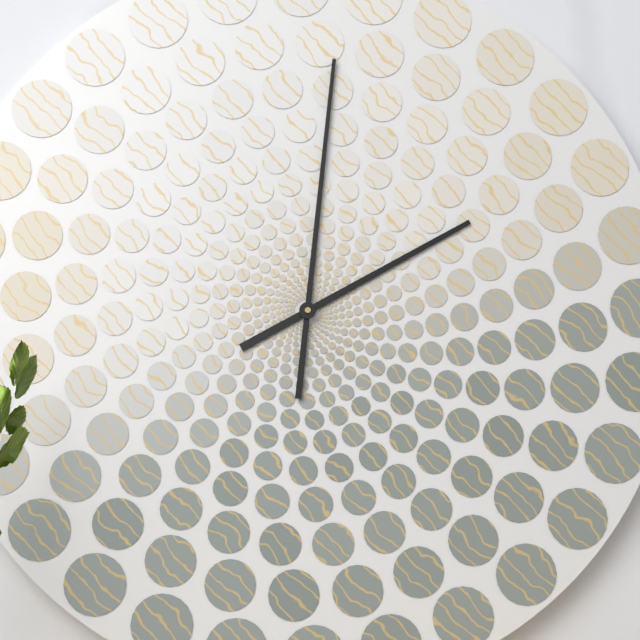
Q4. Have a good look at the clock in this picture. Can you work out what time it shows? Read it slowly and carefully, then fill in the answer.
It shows 2:01
